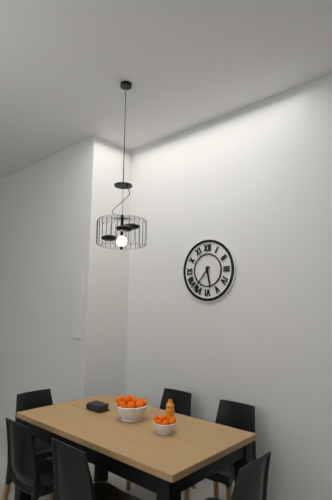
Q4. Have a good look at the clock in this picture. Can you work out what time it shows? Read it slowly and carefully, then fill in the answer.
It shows 5:37
